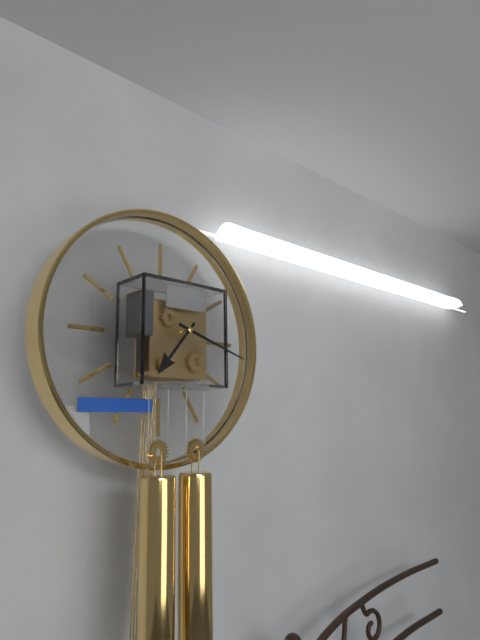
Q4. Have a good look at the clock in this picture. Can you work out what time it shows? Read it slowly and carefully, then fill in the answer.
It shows 7:18
